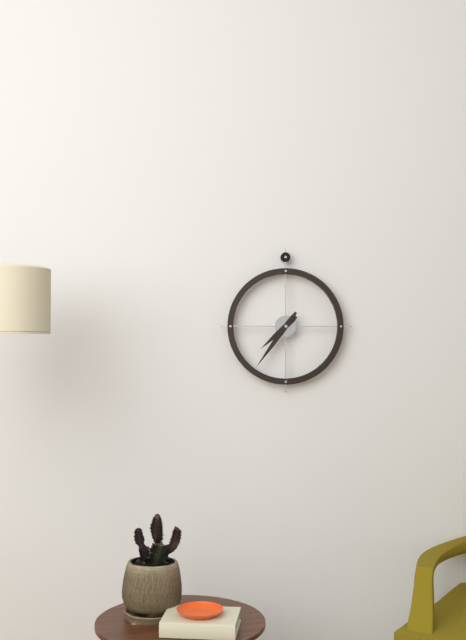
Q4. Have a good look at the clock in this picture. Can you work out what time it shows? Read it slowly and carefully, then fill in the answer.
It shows 7:36
